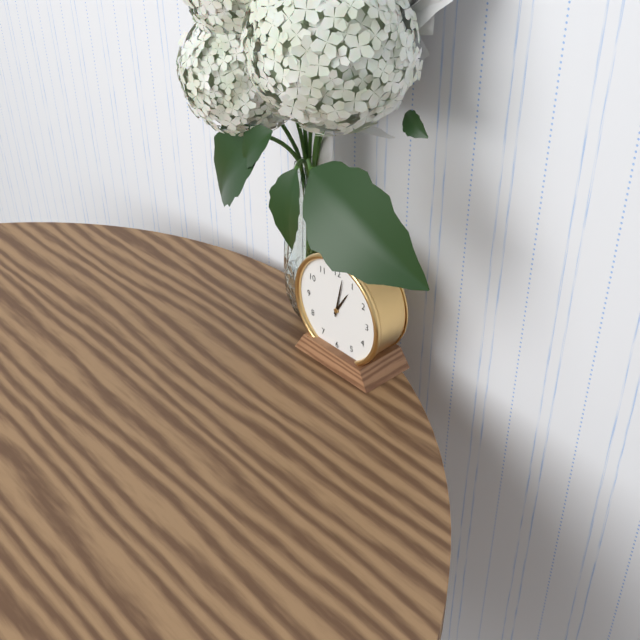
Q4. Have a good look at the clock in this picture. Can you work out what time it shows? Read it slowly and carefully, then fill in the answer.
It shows 1:02
